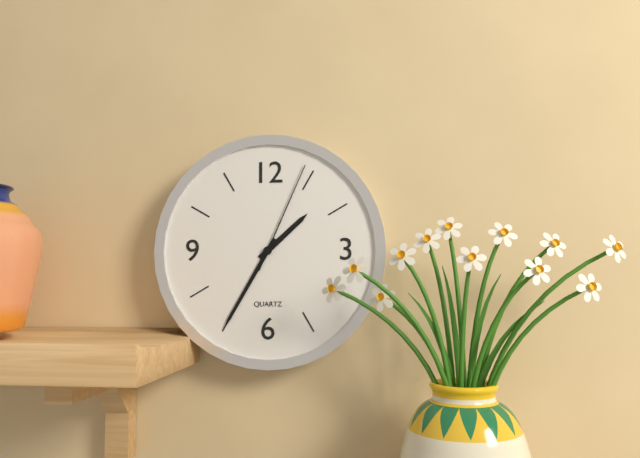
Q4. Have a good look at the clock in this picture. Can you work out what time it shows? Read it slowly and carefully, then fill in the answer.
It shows 1:35:04
